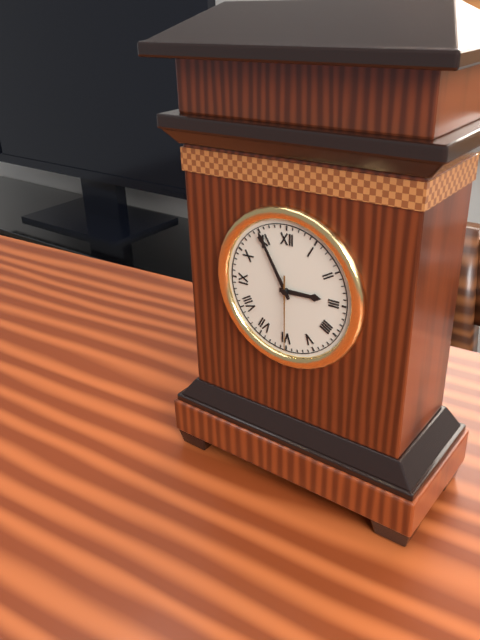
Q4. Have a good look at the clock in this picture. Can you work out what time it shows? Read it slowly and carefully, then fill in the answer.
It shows 2:55:30
